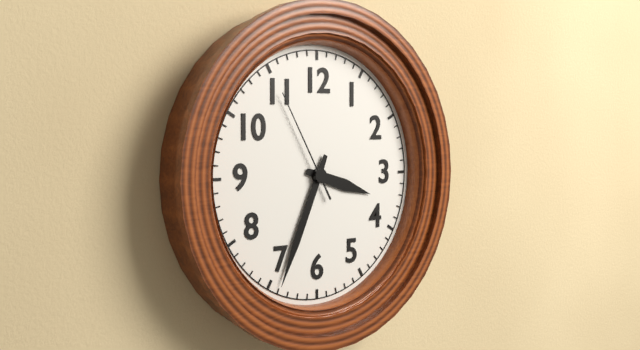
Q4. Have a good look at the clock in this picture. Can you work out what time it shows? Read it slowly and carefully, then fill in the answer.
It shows 3:34:55
